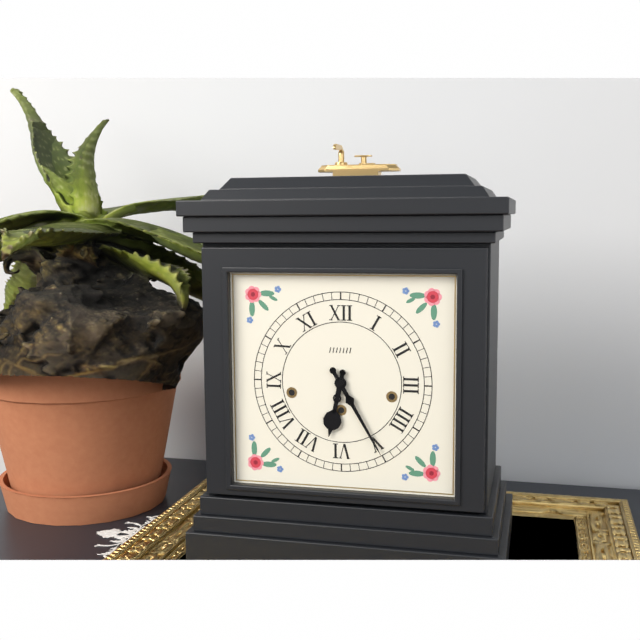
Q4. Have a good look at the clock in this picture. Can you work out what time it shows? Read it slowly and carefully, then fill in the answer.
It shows 6:25
